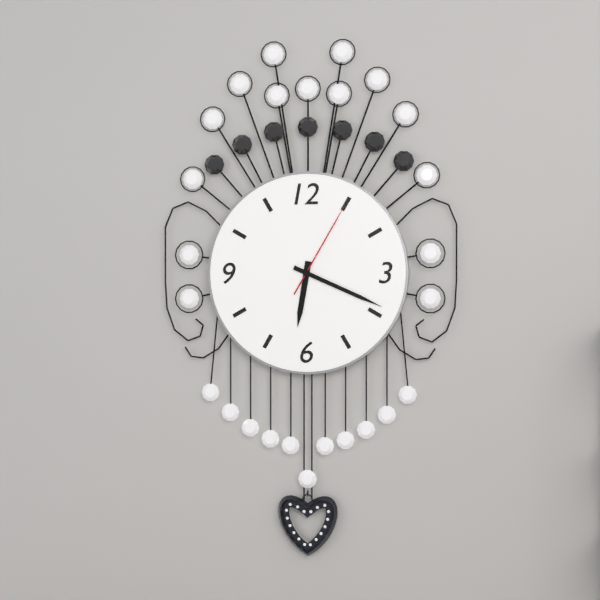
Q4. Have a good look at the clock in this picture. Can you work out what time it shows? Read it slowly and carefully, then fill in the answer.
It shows 6:19:05
